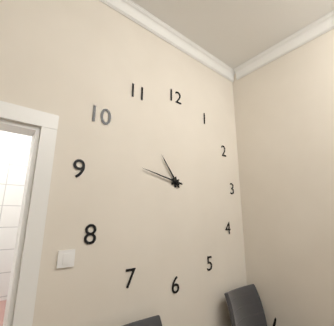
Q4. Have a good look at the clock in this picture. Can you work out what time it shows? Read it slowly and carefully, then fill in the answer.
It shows 10:47
